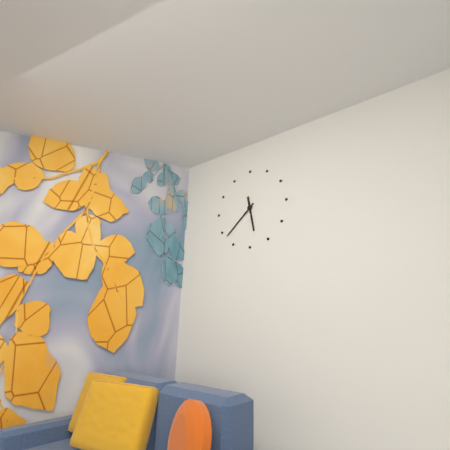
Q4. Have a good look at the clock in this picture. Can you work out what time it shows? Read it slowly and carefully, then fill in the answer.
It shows 5:38
